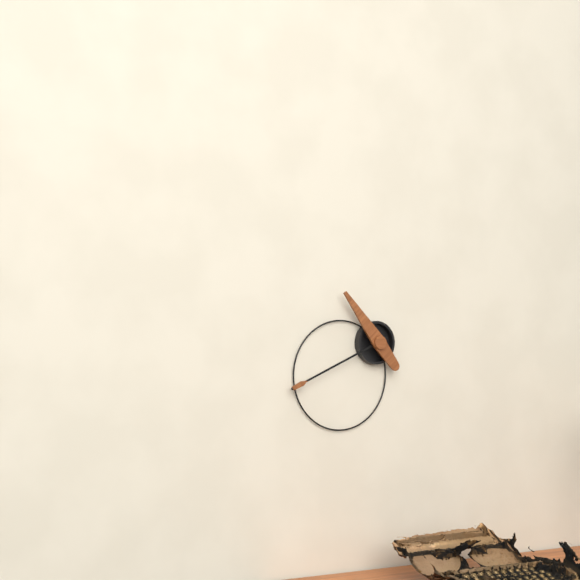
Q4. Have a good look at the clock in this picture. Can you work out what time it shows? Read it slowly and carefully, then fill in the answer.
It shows 10:41
